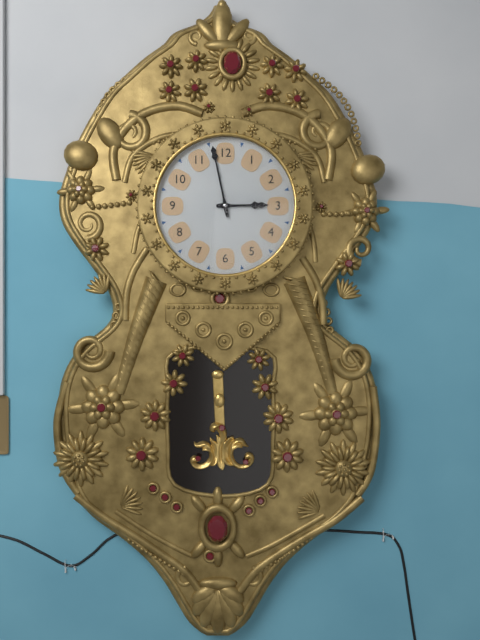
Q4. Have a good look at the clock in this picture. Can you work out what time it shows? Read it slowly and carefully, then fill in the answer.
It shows 2:58
